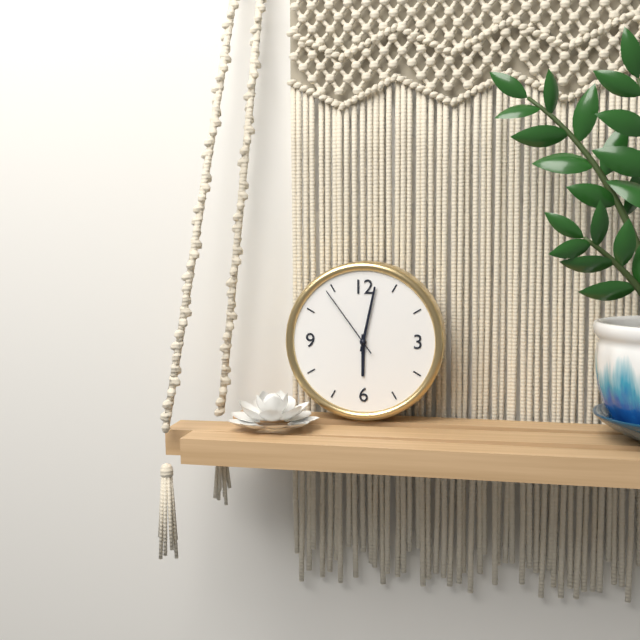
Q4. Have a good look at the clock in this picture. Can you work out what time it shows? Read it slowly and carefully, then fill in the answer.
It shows 6:02:54
